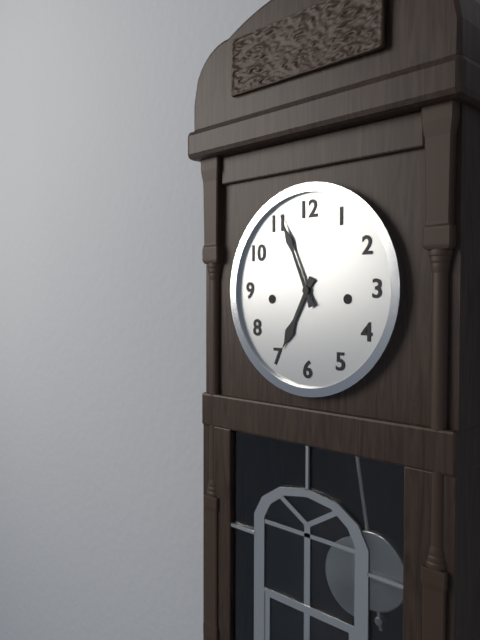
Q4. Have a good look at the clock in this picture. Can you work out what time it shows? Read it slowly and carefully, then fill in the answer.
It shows 6:56
